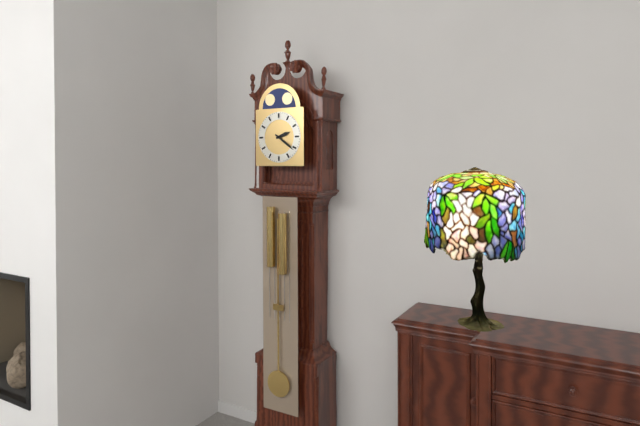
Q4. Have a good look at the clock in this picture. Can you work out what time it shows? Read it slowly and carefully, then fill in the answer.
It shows 2:21
